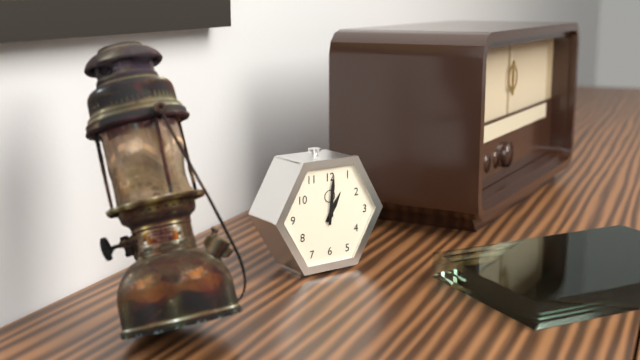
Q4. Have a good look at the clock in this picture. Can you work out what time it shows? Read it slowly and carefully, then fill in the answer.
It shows 1:01
